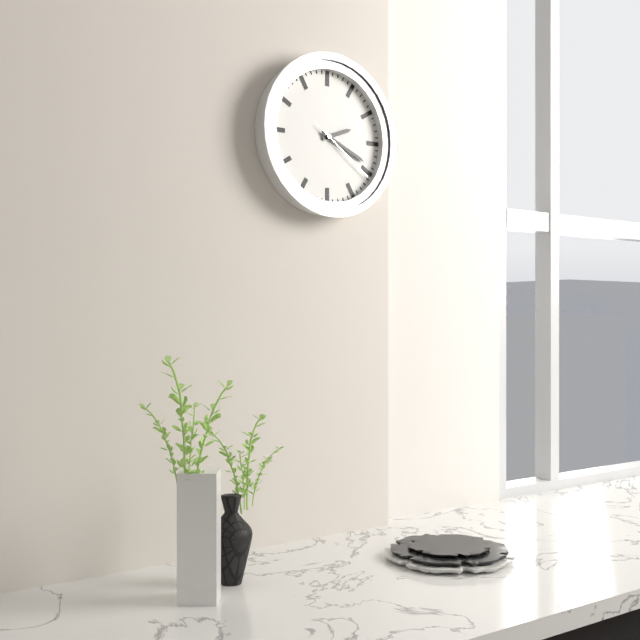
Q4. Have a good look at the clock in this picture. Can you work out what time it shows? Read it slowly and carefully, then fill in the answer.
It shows 2:19:21
